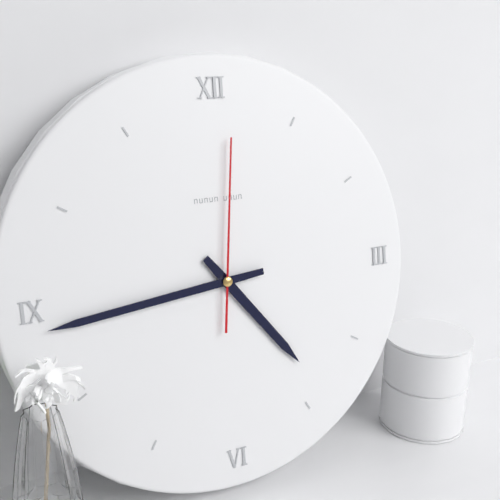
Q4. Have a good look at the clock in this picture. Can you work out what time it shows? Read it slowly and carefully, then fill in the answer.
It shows 4:44:01
